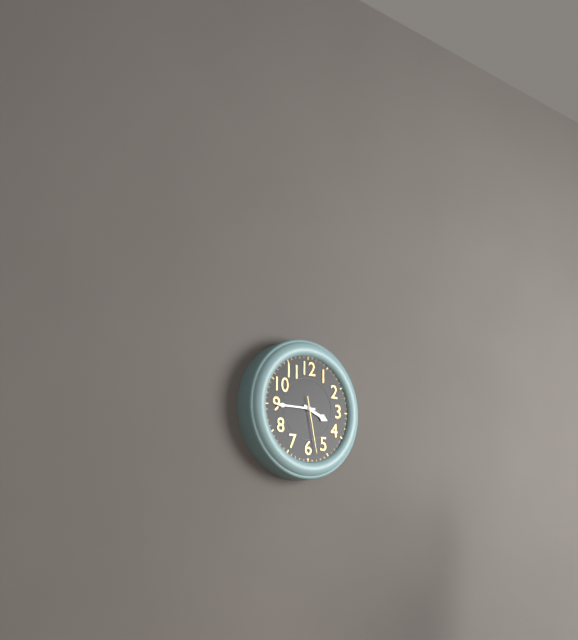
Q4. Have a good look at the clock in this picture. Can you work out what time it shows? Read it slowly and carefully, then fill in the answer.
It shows 3:45:28
